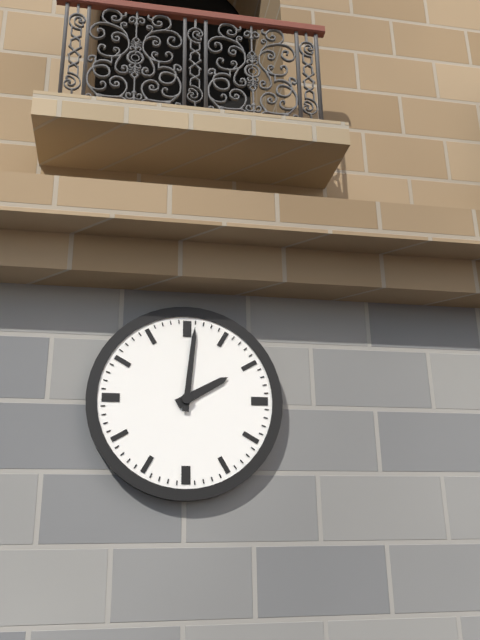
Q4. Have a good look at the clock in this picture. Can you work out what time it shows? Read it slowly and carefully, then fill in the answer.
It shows 2:01
